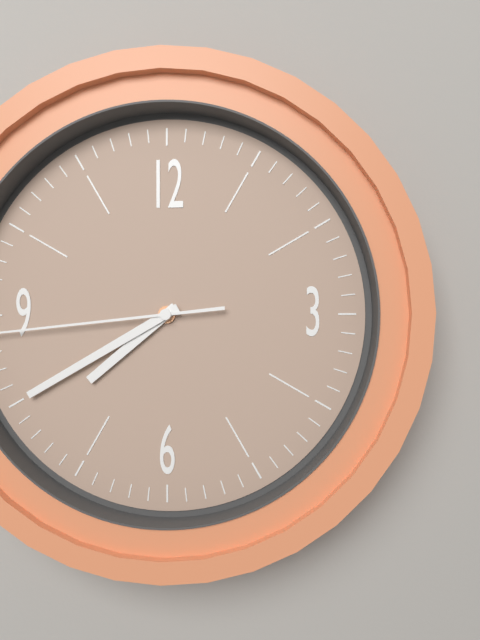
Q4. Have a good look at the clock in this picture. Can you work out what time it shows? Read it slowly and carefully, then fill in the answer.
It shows 7:40
